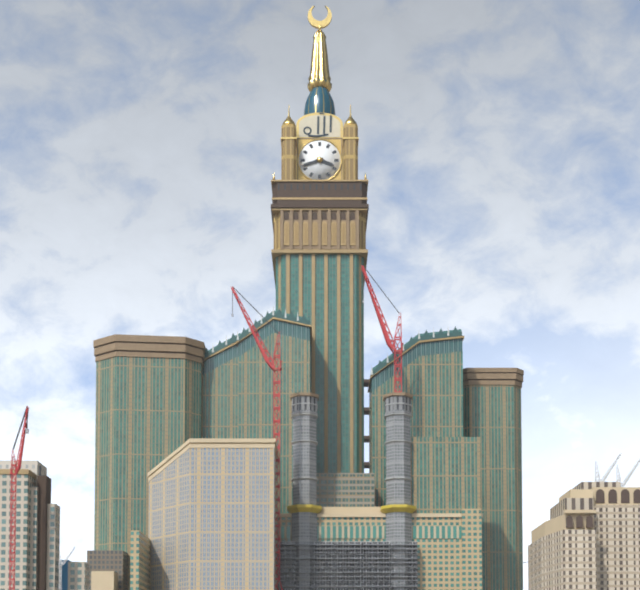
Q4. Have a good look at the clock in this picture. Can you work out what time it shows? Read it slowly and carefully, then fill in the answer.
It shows 3:42
